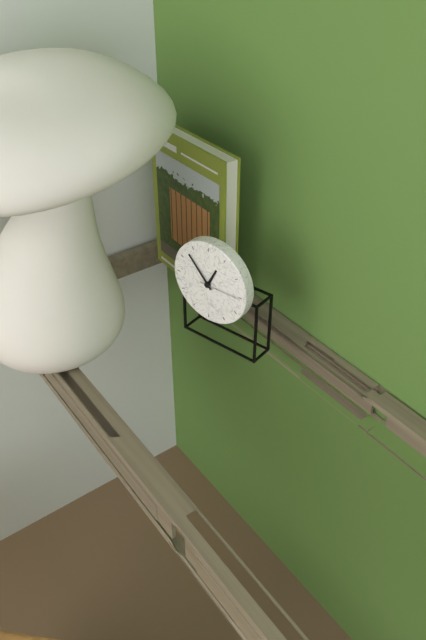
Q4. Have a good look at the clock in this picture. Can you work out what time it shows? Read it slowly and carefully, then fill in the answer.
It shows 12:53
